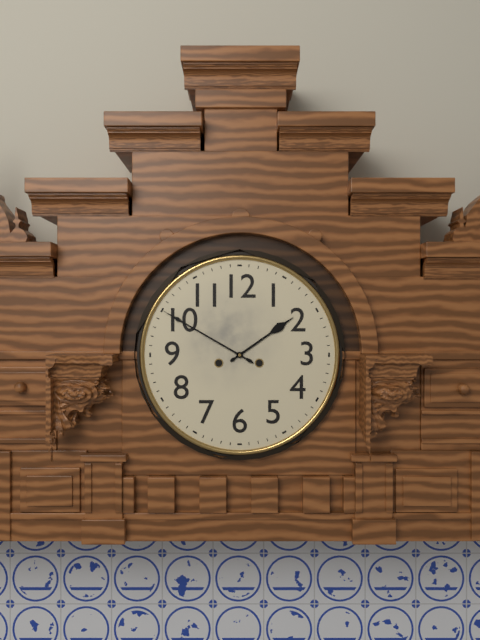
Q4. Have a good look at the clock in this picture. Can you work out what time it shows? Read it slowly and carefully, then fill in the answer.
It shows 1:50
